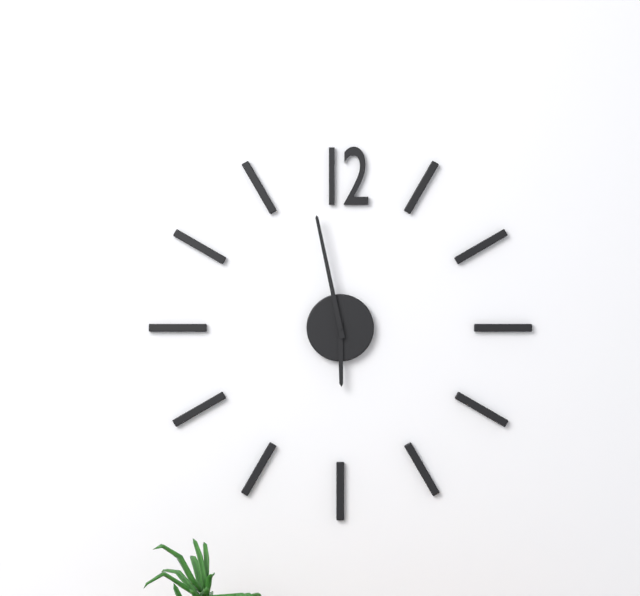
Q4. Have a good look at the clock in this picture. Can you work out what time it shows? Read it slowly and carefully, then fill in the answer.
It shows 5:58
